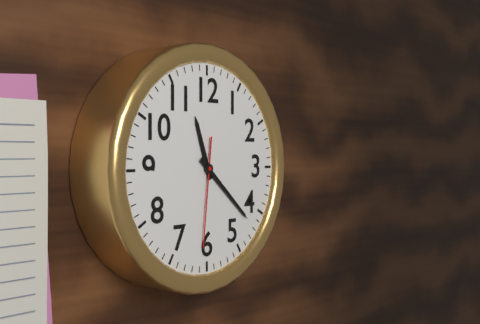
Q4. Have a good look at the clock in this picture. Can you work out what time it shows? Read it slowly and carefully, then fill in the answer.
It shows 11:22:31
